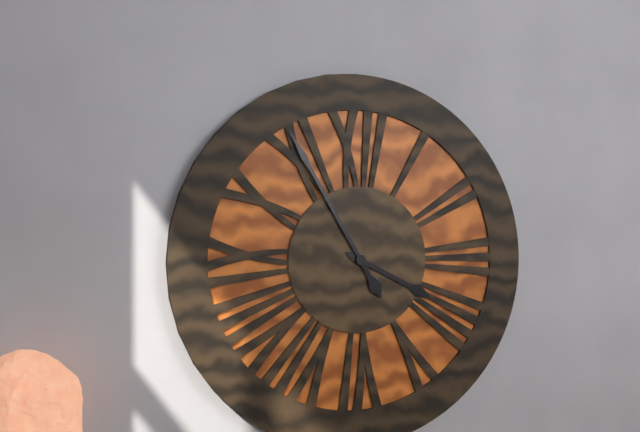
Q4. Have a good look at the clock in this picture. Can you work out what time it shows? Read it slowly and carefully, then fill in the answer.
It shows 3:55
